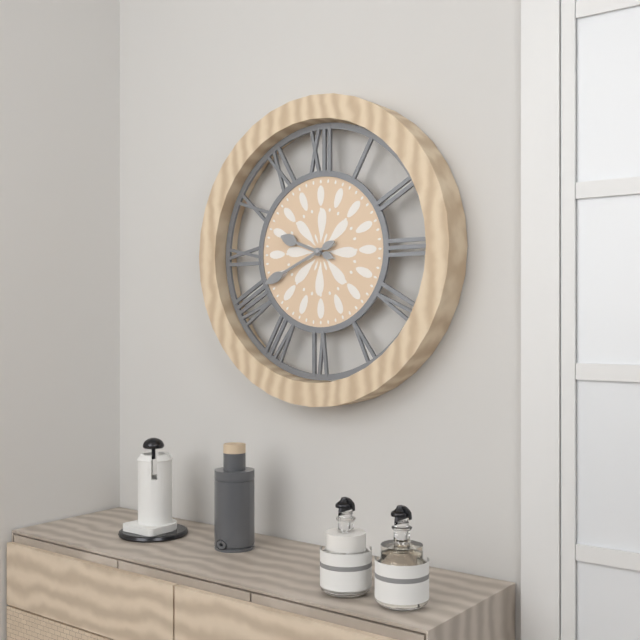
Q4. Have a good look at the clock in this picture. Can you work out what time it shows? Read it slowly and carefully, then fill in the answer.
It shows 9:41
